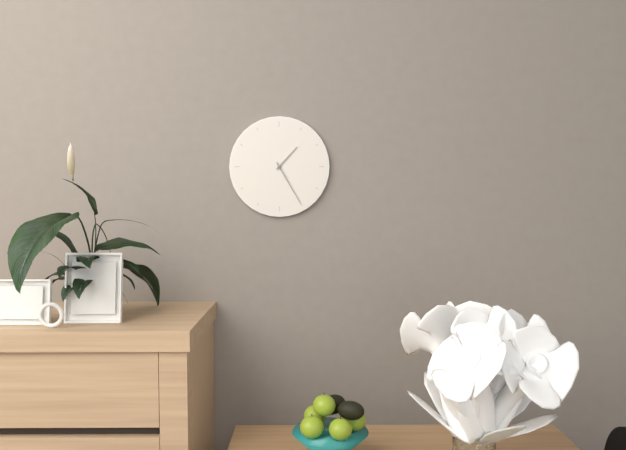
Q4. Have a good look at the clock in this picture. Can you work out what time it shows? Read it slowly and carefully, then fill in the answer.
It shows 1:25
